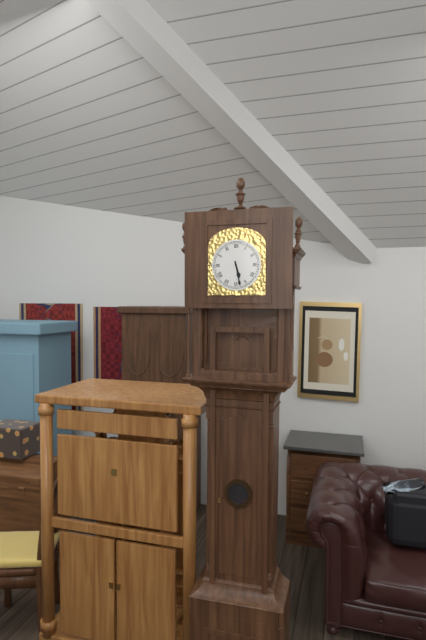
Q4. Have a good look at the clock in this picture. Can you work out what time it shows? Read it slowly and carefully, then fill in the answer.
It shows 5:28
